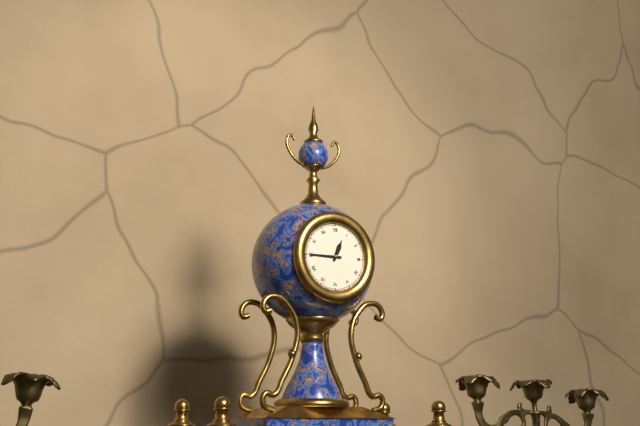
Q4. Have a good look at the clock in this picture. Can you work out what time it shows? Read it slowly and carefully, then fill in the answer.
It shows 12:45
